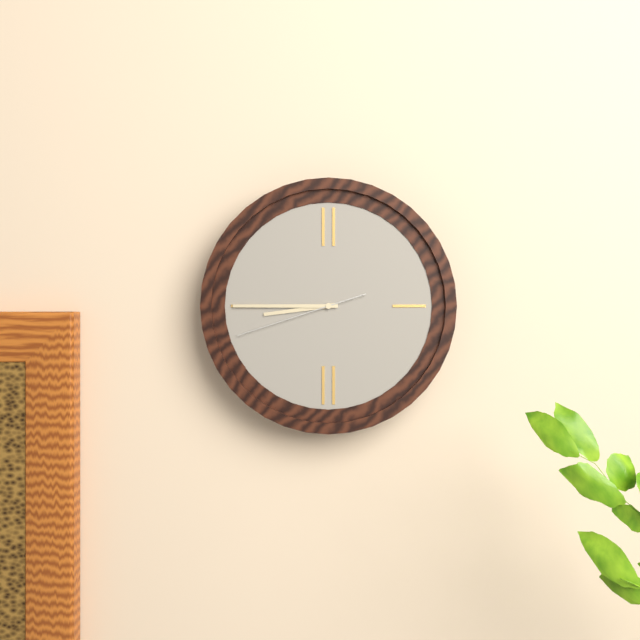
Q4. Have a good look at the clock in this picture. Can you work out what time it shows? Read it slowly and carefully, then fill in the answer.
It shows 8:45:42
